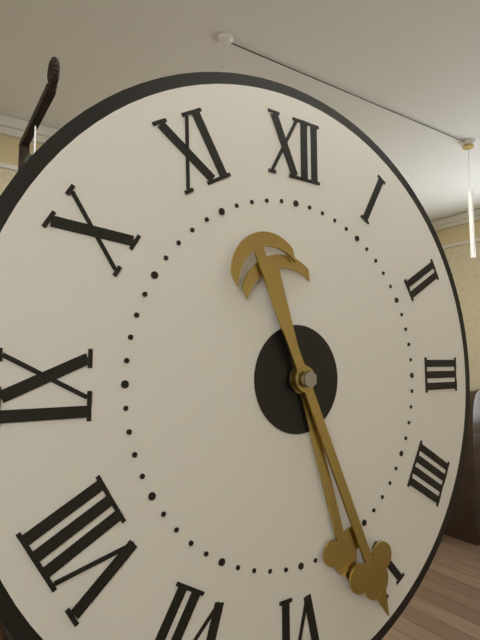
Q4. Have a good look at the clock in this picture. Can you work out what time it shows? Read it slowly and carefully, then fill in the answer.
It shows 5:26
